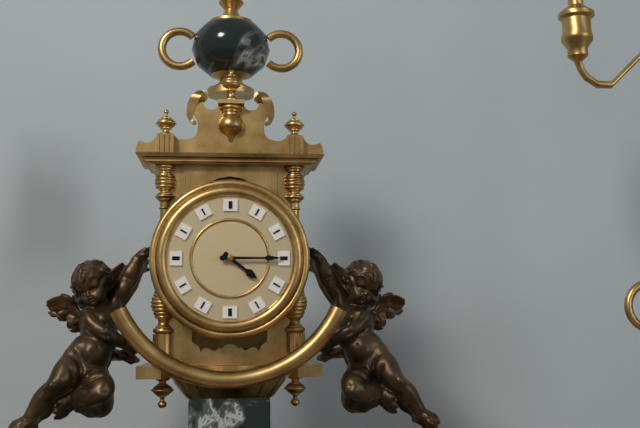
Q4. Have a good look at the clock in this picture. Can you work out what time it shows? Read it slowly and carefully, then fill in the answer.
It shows 4:15
